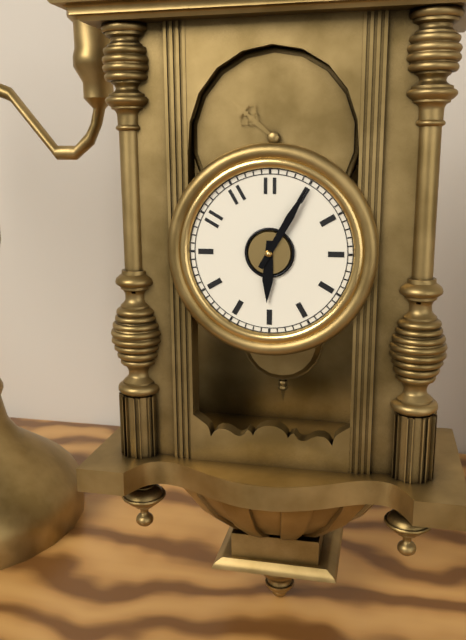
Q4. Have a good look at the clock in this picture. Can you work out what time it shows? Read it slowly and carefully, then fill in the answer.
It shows 6:05
